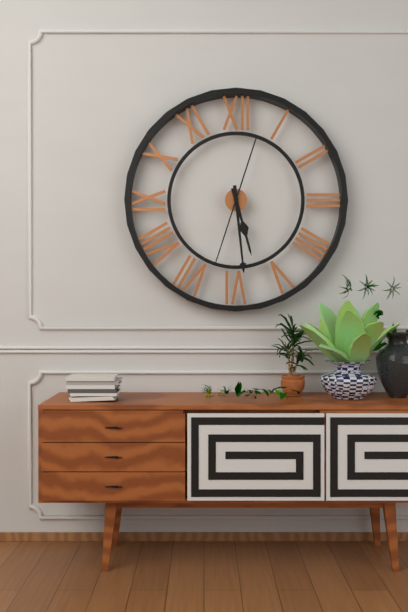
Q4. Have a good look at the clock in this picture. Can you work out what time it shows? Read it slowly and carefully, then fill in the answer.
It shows 5:29:33
